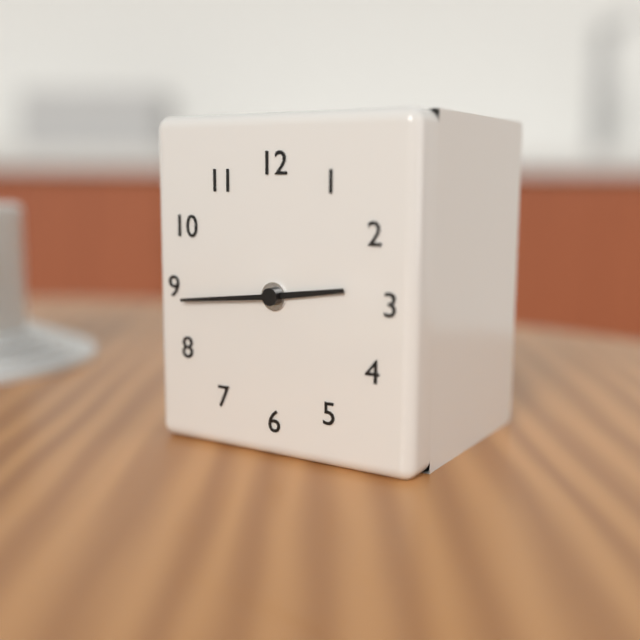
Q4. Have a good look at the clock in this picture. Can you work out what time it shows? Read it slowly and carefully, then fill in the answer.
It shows 2:44
